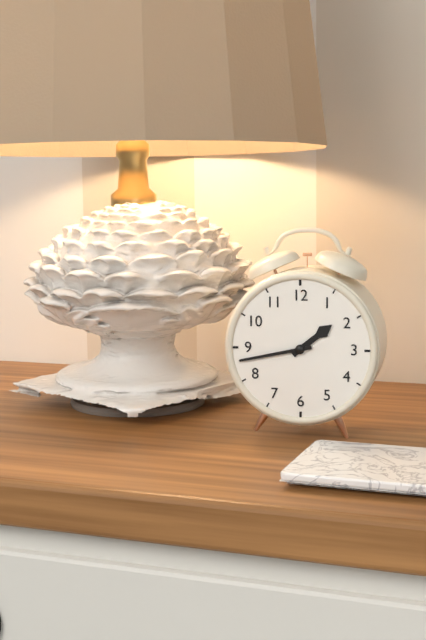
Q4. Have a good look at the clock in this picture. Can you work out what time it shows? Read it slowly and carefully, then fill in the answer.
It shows 1:43
